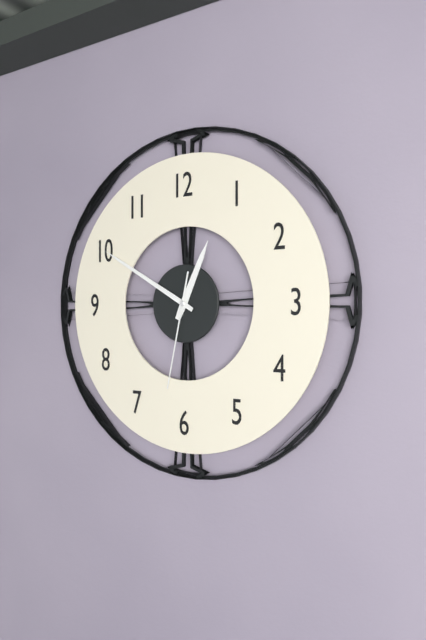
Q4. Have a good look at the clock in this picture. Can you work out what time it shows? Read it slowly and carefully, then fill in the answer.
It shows 12:50:32
